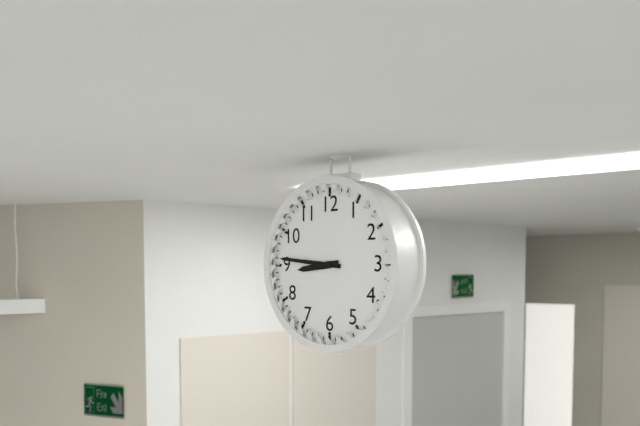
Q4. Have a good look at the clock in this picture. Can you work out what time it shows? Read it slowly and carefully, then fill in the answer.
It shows 8:46
